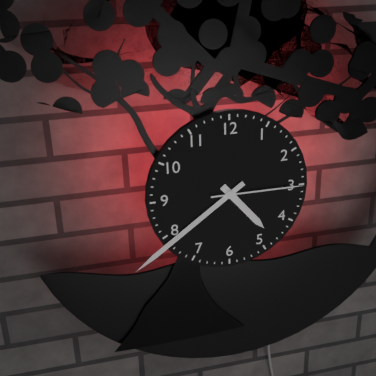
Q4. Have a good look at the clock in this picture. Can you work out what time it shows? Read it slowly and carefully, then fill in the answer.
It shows 4:39:15
